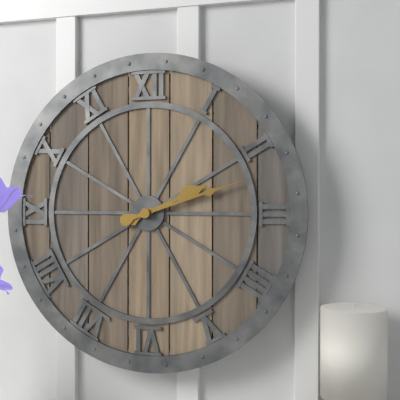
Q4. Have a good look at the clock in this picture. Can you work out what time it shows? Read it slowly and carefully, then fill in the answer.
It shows 2:12
